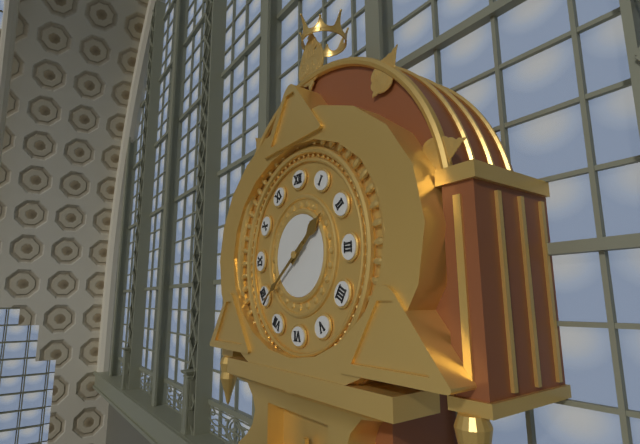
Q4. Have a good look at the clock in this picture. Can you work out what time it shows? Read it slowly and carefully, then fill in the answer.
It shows 1:39
